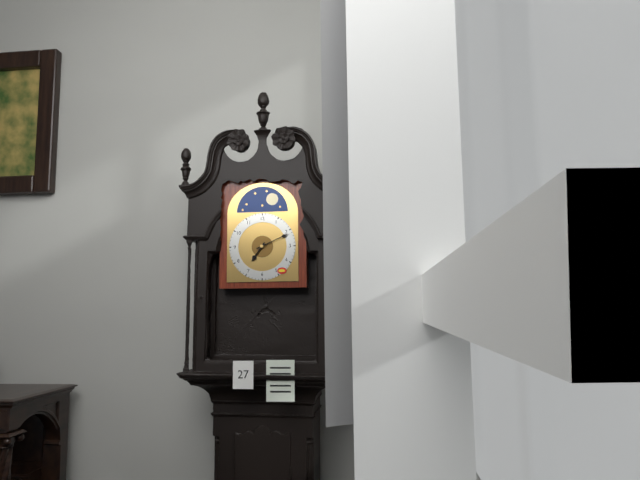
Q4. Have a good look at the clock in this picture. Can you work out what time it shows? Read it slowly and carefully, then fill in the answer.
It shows 7:11
